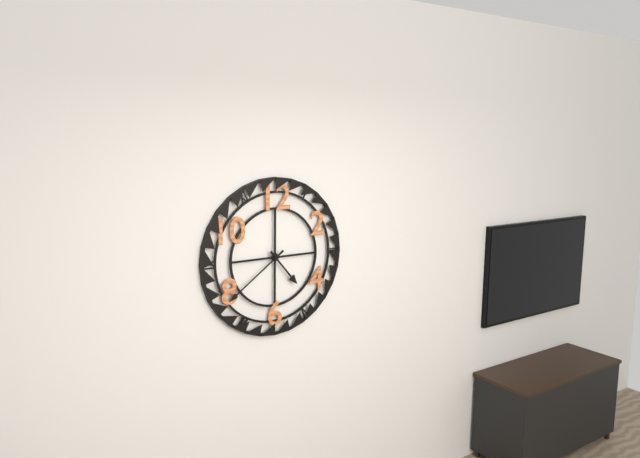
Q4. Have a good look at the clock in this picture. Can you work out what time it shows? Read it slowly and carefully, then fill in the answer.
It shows 4:39
